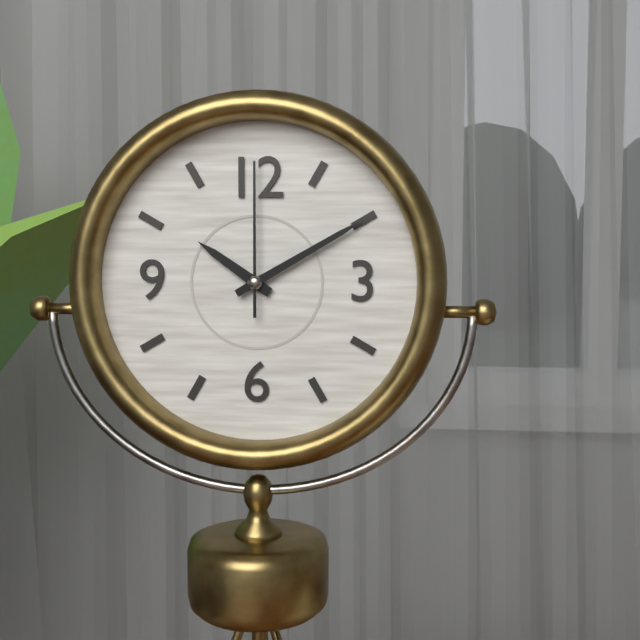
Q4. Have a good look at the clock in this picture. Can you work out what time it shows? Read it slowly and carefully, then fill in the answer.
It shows 10:10:00
